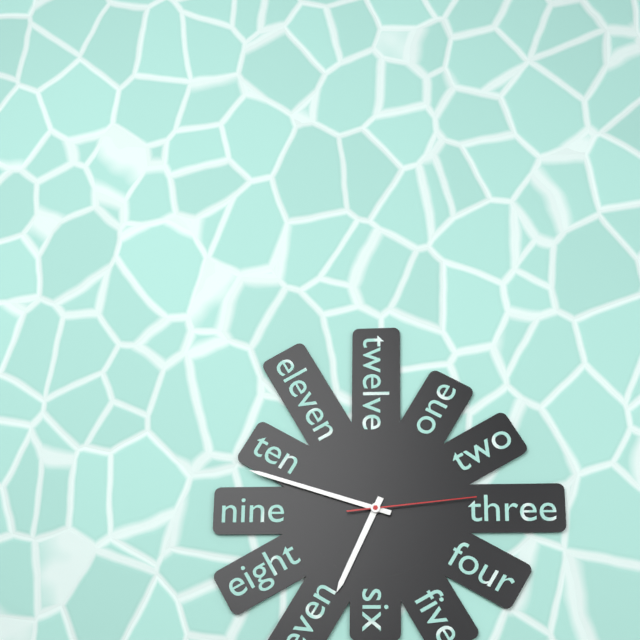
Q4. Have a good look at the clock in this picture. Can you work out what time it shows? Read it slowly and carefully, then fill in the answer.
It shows 6:48:14
